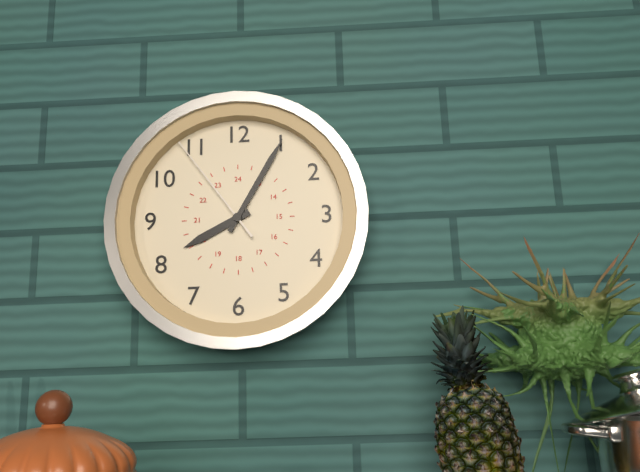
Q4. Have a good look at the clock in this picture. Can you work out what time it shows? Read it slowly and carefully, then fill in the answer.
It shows 8:05:54
